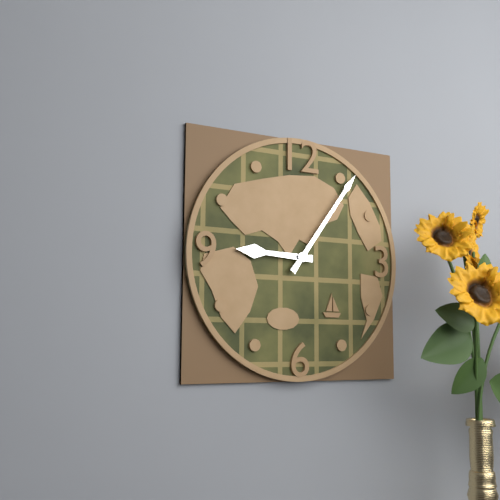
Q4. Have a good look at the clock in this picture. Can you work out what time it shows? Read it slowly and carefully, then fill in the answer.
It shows 9:06
